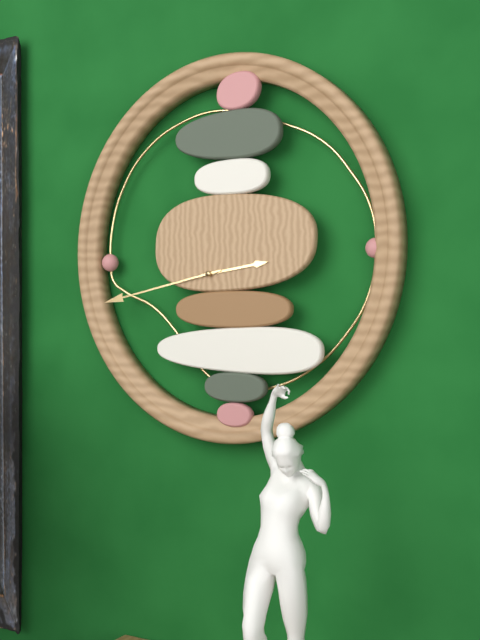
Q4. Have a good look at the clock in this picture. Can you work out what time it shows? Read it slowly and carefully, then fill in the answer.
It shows 2:43
